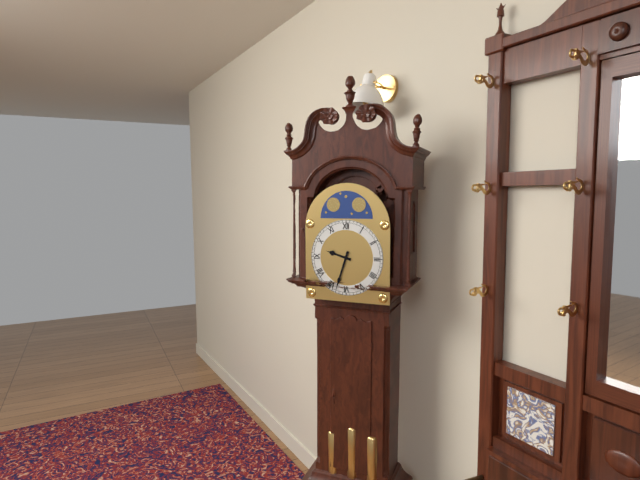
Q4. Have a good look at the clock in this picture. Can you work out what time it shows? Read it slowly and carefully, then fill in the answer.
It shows 9:33
